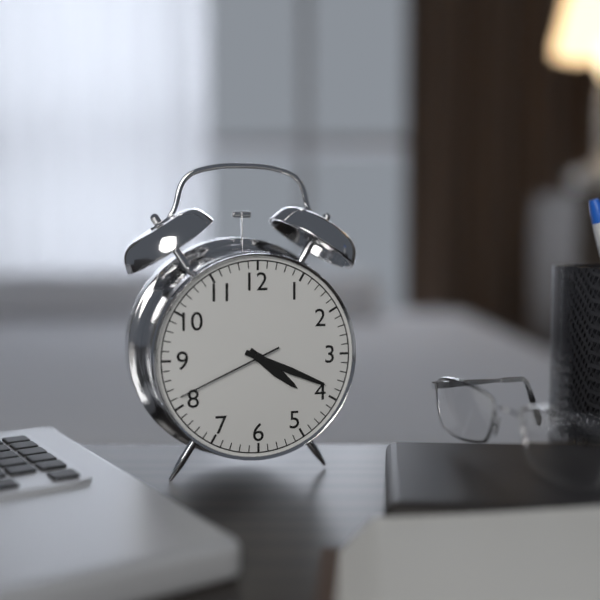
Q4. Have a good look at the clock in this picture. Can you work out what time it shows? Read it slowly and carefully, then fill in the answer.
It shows 4:19:41
